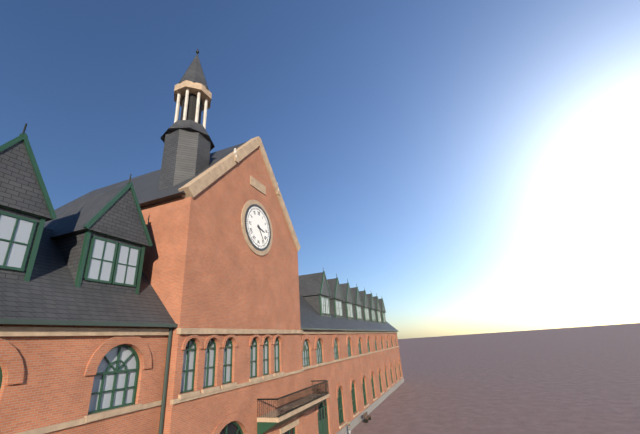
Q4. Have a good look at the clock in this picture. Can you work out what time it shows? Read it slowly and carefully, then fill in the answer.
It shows 3:24
